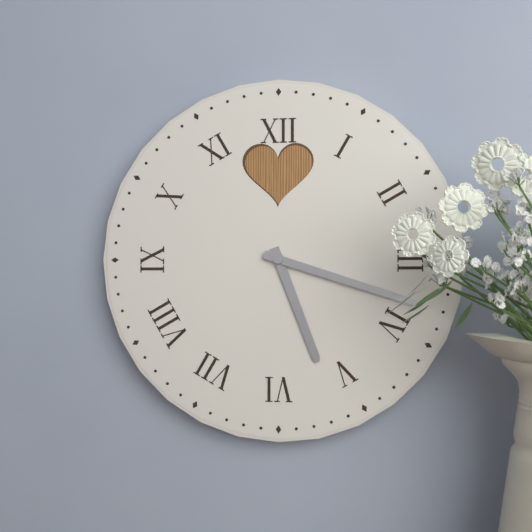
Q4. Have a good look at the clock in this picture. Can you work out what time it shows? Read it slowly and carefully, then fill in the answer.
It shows 5:18
